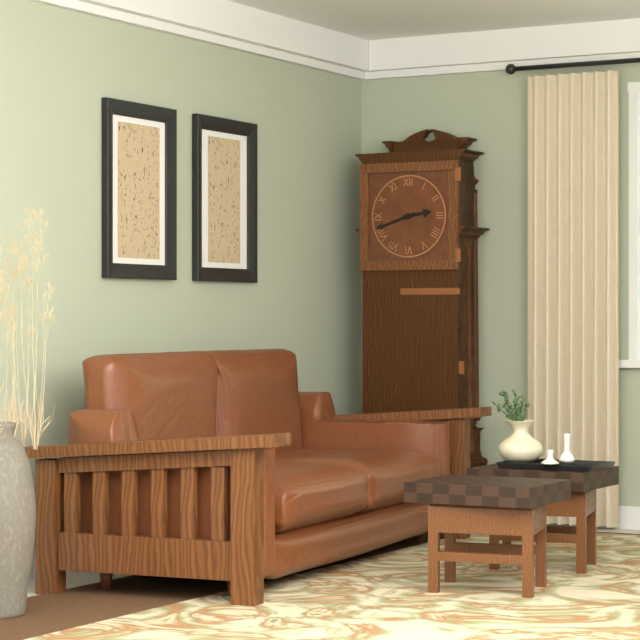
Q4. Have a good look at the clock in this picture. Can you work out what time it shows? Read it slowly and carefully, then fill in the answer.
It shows 2:42
